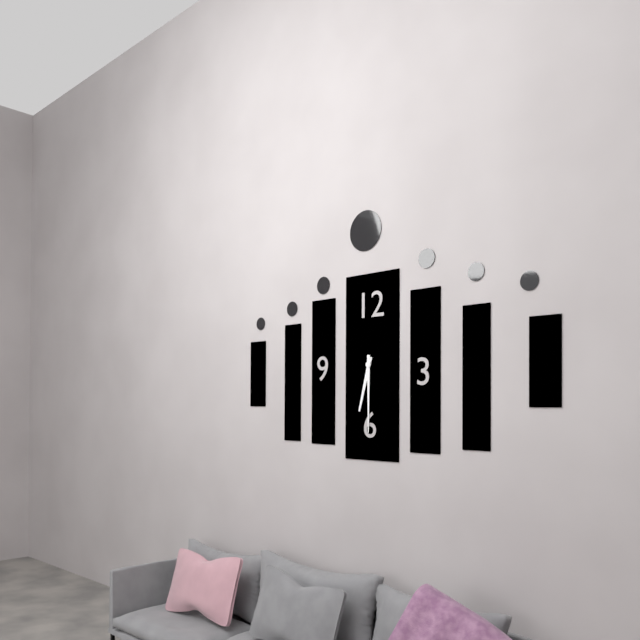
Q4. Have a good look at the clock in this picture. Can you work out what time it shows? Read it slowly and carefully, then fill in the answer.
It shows 6:30
